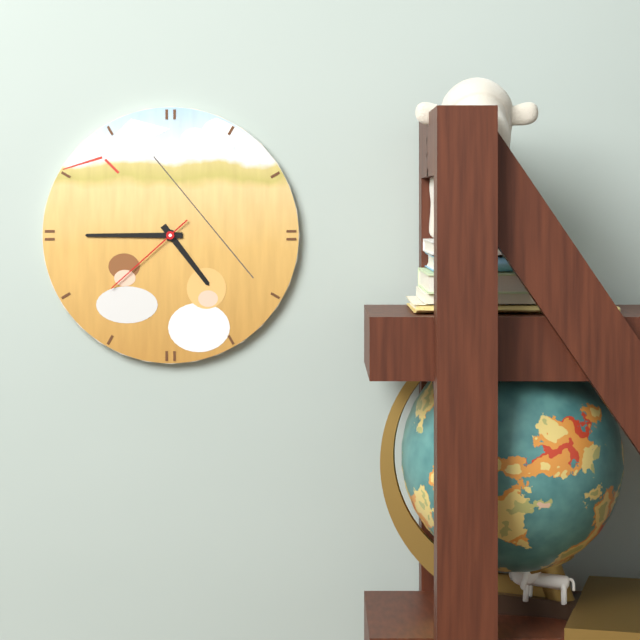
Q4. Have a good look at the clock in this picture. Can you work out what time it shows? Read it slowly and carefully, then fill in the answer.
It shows 4:45:38
